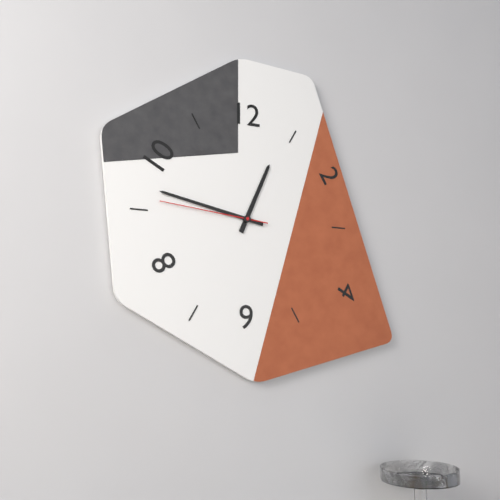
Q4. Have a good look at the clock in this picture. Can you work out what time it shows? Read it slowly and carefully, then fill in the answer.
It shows 12:47:46
